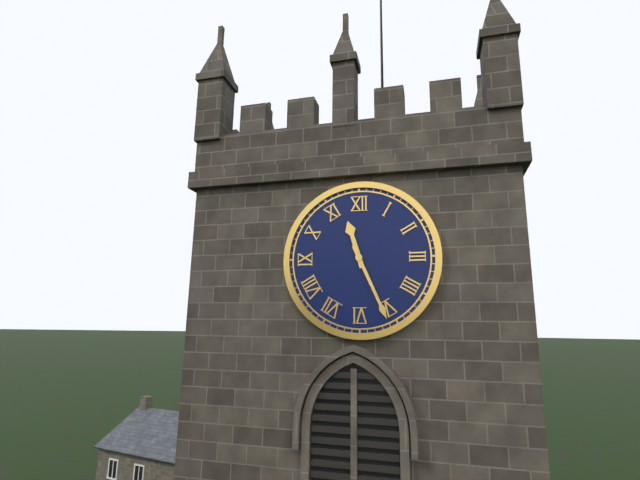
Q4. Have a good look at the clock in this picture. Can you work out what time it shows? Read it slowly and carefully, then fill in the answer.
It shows 11:26
